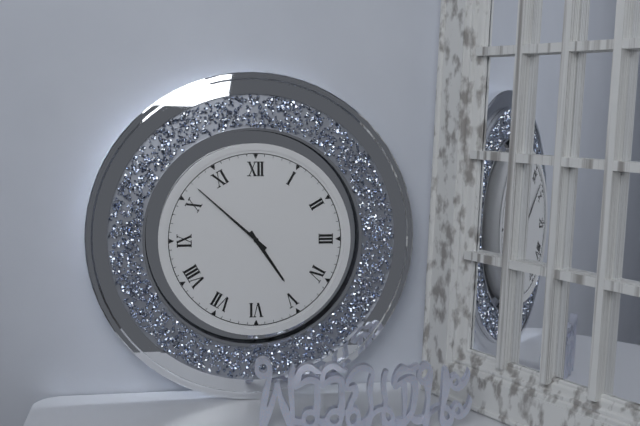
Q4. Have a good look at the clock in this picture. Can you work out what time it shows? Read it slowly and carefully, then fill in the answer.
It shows 4:52
